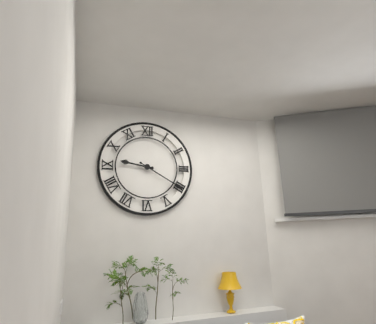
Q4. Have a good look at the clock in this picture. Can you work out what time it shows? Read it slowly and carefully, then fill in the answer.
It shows 9:20
